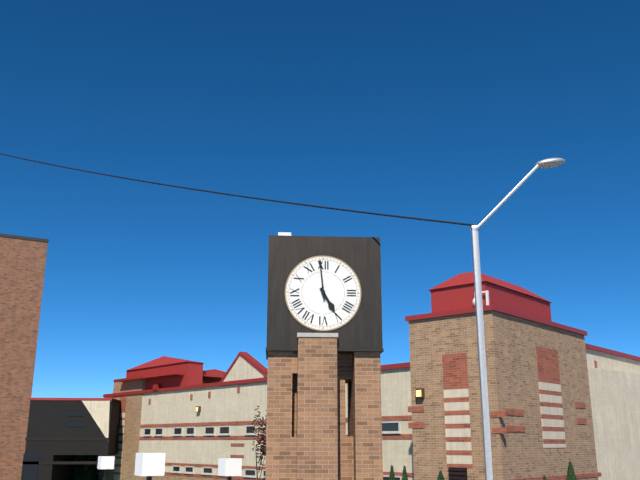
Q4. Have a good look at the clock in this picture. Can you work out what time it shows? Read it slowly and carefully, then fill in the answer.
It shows 4:59
